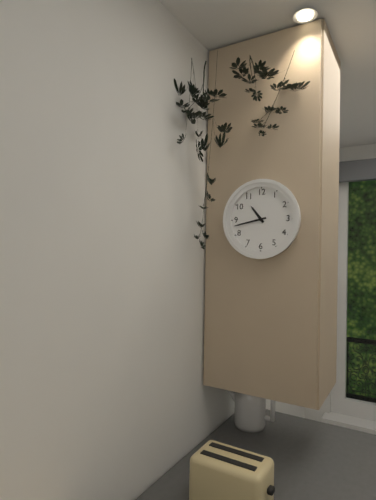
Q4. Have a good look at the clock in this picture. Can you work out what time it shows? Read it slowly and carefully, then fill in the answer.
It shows 10:43
